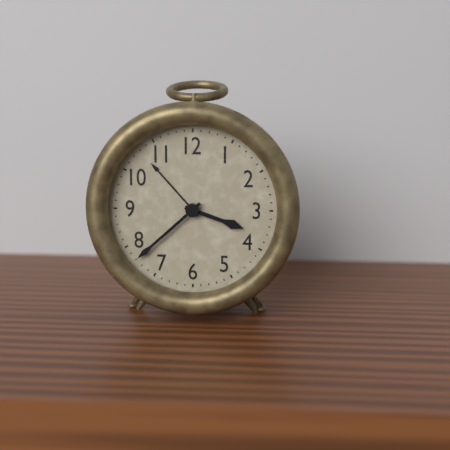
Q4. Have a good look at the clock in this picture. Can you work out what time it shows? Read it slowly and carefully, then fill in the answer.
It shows 3:38
